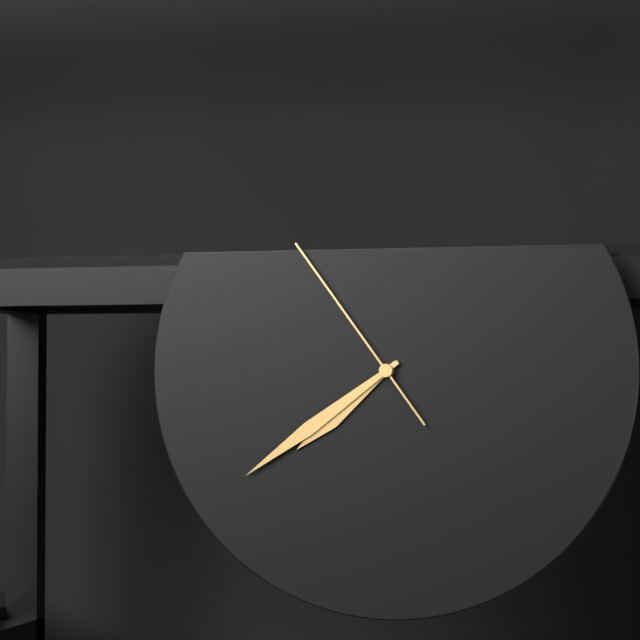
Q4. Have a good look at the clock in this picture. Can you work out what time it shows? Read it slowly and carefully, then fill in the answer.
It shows 7:39:54
